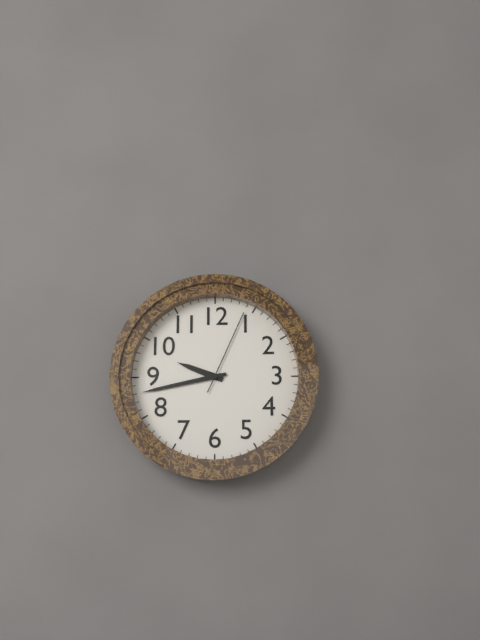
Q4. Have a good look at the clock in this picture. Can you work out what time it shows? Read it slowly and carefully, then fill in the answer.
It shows 9:43:04
